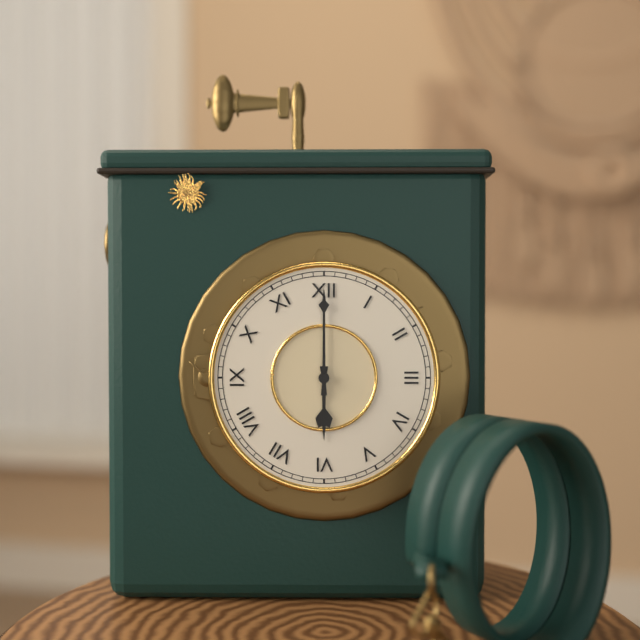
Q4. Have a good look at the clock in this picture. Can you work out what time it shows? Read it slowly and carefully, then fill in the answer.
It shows 6:00
